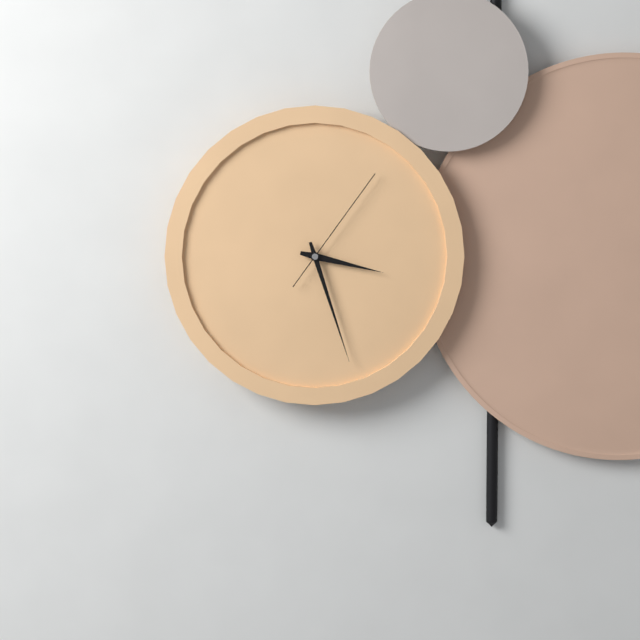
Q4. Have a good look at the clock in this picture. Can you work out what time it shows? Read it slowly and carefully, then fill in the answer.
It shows 3:27:06
